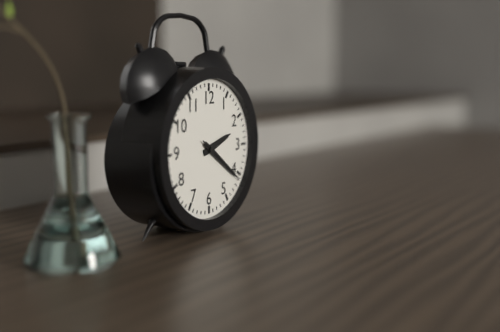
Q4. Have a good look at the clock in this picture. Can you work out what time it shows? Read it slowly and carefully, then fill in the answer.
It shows 2:21:21
